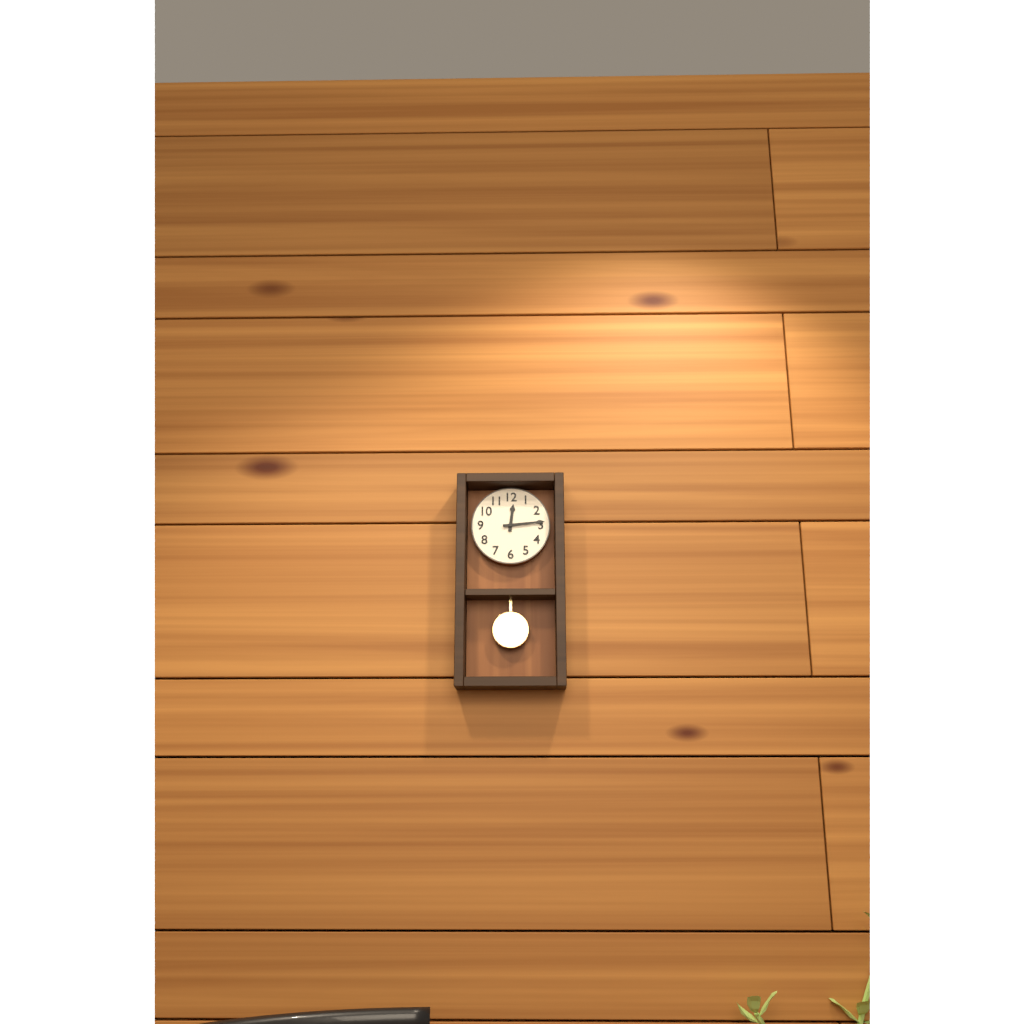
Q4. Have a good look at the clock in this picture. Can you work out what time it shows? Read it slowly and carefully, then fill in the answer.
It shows 12:14
